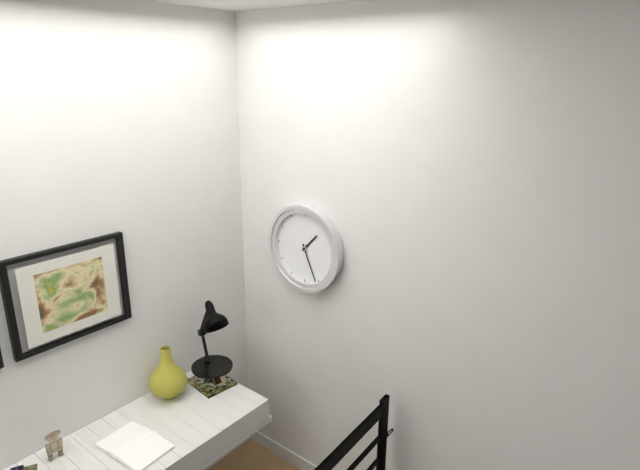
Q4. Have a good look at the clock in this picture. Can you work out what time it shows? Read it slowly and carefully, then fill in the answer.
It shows 1:26
